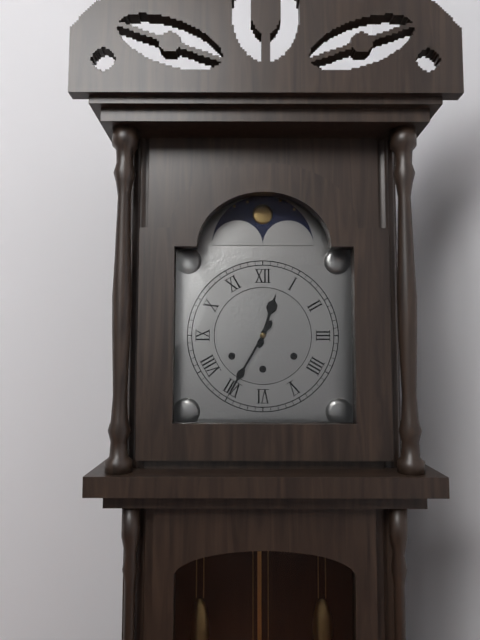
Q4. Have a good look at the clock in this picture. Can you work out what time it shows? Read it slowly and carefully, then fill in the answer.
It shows 12:35
